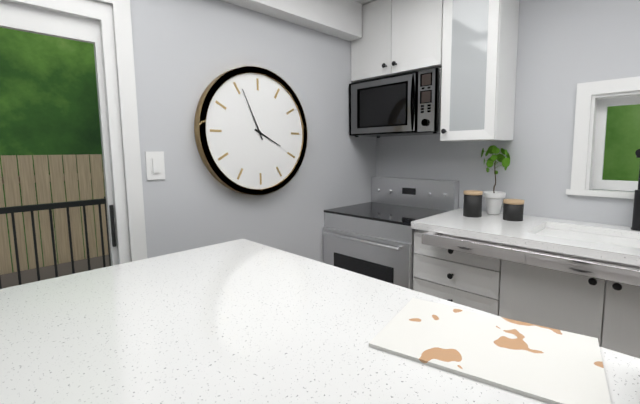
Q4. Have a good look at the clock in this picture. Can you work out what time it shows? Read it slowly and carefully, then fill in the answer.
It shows 3:56
